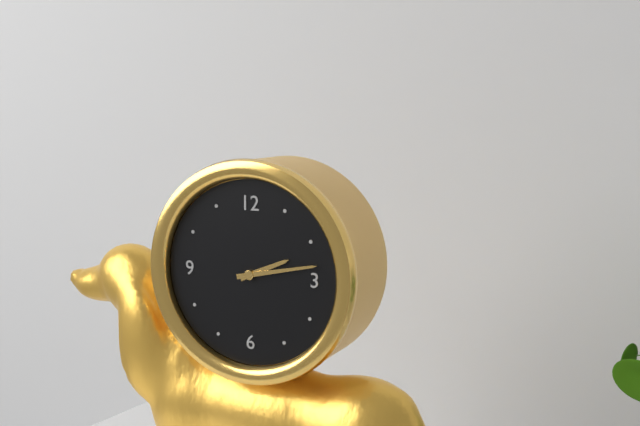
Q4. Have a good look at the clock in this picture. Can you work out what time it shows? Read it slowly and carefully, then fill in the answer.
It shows 2:13
